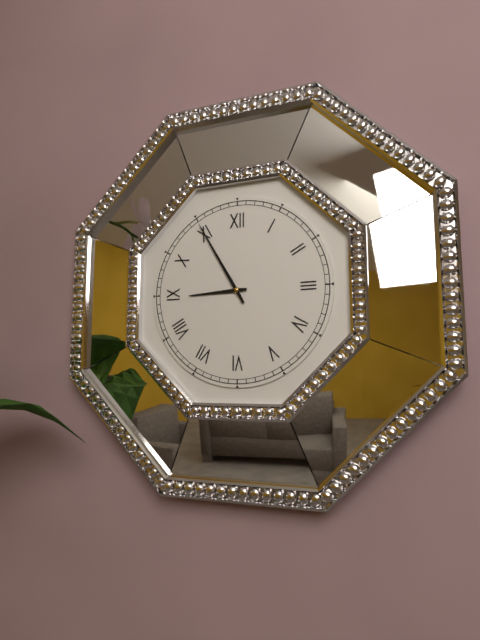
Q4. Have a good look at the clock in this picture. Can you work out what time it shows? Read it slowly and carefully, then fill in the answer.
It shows 8:55
